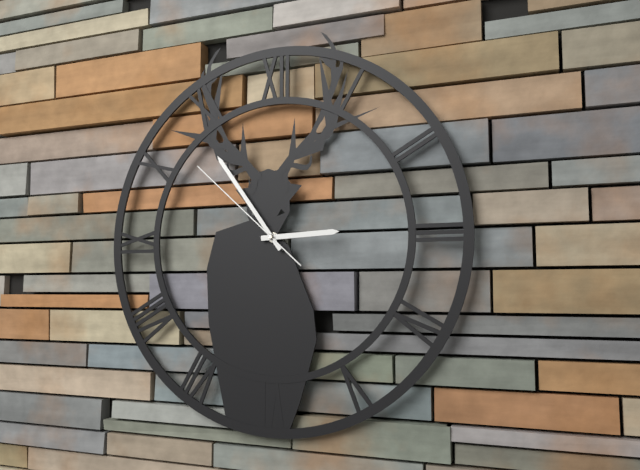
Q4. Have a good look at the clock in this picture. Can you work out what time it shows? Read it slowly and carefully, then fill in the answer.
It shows 2:54:52
